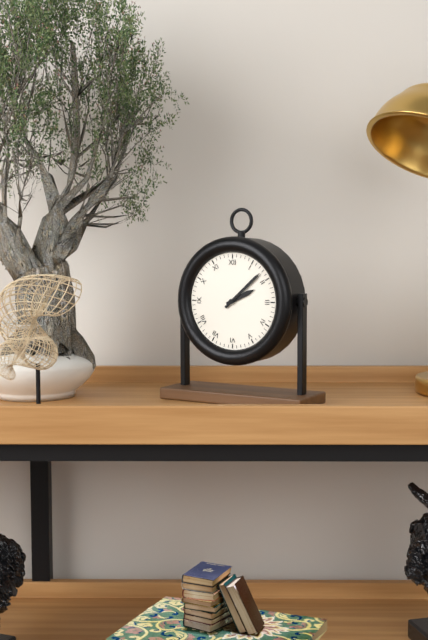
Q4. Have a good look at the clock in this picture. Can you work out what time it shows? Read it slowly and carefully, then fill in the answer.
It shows 2:08
